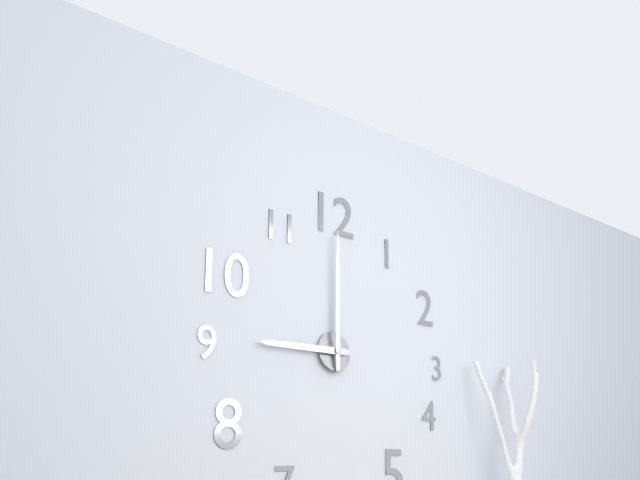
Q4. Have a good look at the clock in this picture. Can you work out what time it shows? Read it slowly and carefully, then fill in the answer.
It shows 9:00
